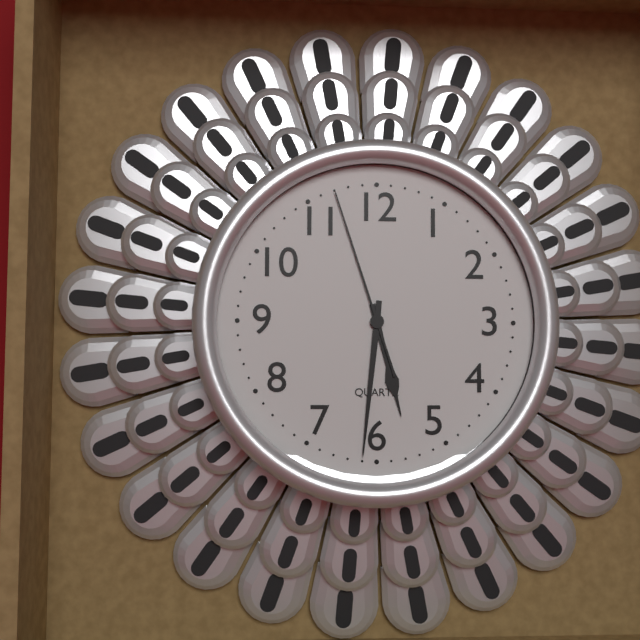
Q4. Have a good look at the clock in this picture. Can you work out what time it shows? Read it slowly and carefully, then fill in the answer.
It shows 5:31:57
